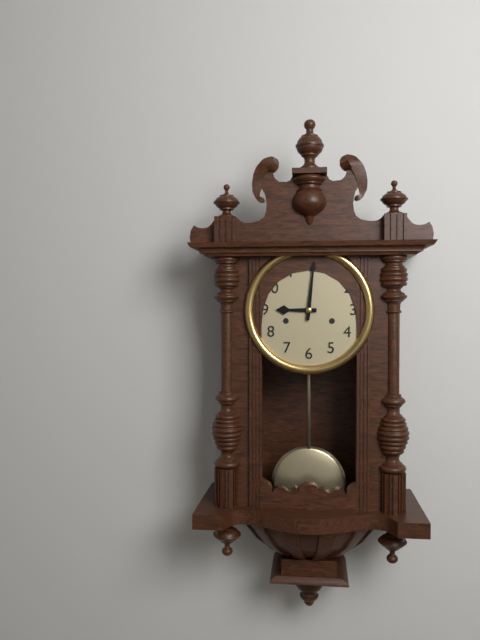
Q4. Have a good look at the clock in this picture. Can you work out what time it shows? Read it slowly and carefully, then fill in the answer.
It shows 9:01
